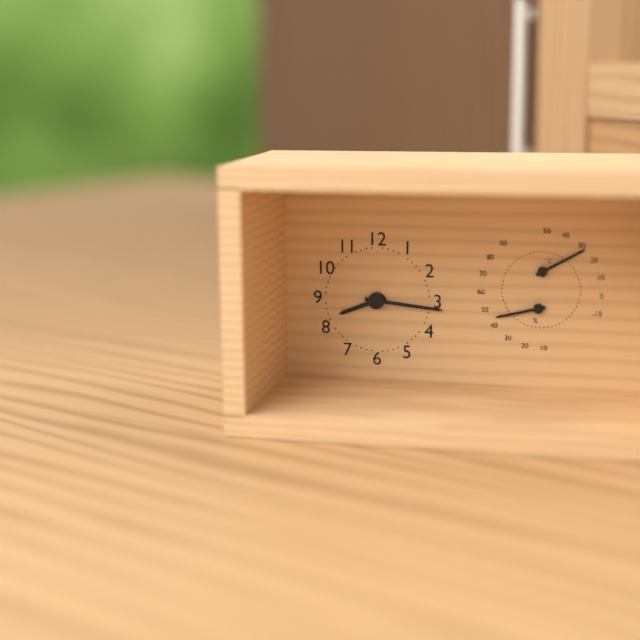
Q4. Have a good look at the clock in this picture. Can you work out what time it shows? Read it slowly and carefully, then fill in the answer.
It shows 8:16
